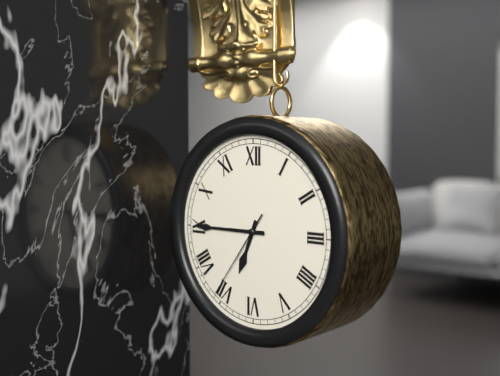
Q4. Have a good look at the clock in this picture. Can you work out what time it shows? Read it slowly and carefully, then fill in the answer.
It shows 6:45:36
